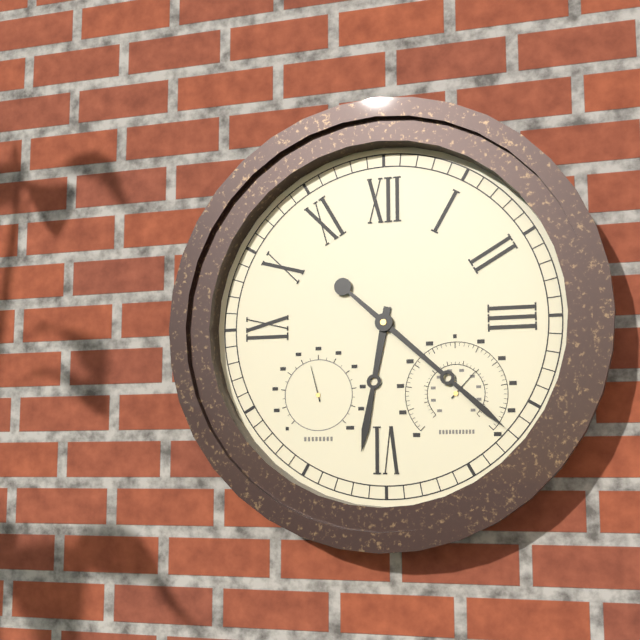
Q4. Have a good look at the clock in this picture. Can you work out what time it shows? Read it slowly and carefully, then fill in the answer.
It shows 6:22
